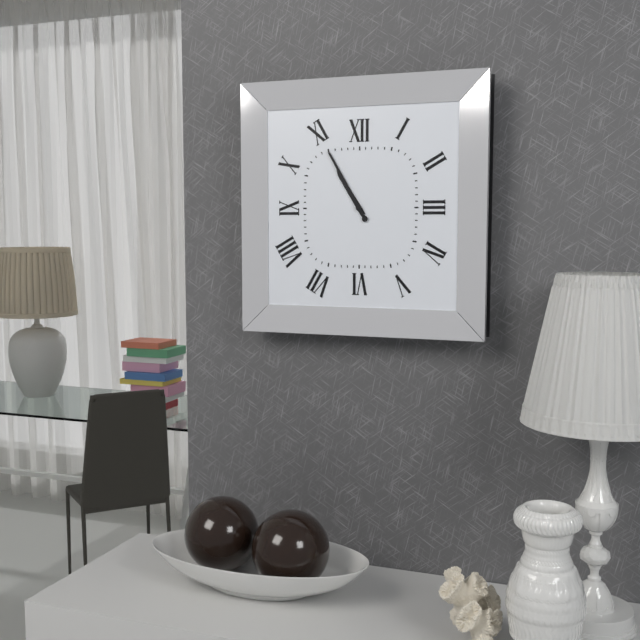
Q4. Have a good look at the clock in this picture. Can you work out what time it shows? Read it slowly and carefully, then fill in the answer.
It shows 10:55
